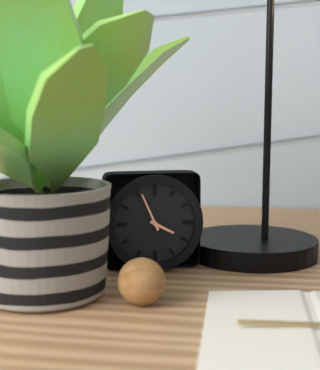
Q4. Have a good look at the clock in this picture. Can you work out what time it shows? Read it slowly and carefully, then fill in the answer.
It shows 3:56
